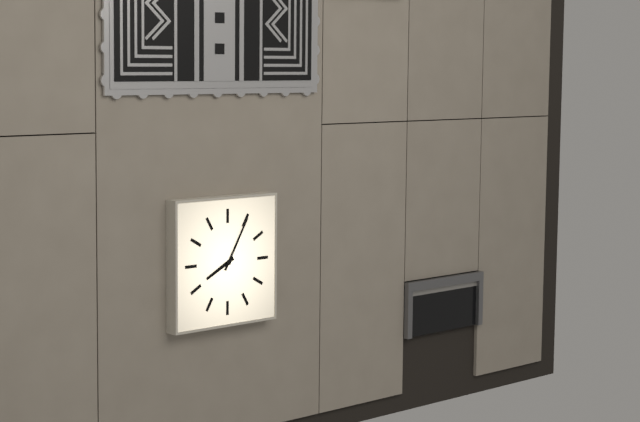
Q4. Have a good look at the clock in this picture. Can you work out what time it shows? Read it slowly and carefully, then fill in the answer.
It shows 8:05
